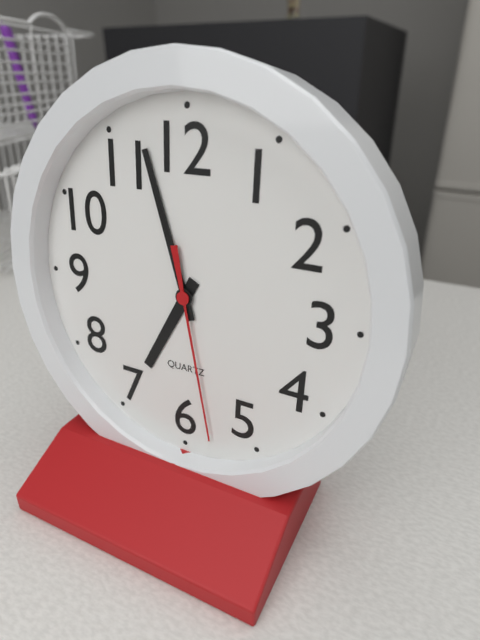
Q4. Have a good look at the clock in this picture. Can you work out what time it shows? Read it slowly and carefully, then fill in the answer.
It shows 6:57:28
